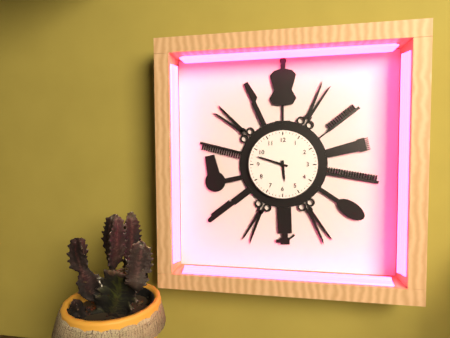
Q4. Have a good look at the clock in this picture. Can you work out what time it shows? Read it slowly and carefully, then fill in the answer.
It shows 5:48
